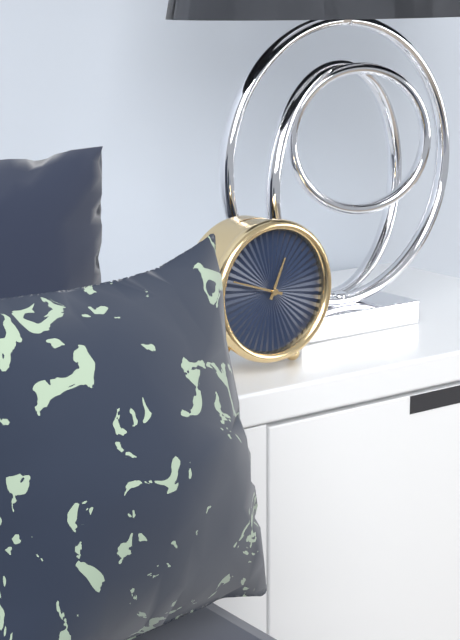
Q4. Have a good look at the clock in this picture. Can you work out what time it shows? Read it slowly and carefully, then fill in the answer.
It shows 12:48
